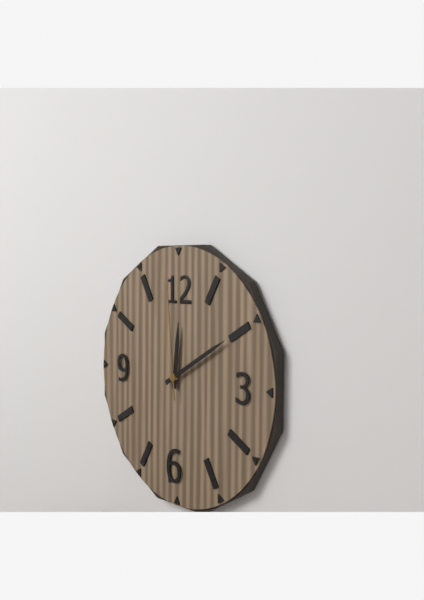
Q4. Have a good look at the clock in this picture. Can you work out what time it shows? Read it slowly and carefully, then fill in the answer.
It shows 12:10:59
